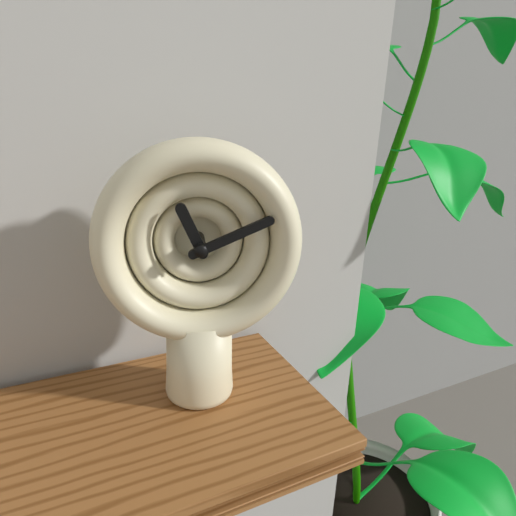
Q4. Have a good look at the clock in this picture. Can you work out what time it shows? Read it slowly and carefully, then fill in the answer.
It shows 11:11
